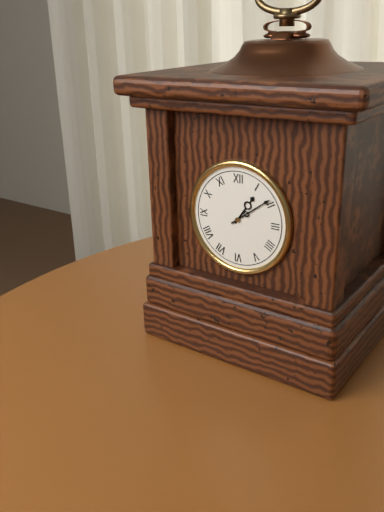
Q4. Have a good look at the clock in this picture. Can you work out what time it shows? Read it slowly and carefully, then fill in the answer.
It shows 1:09
